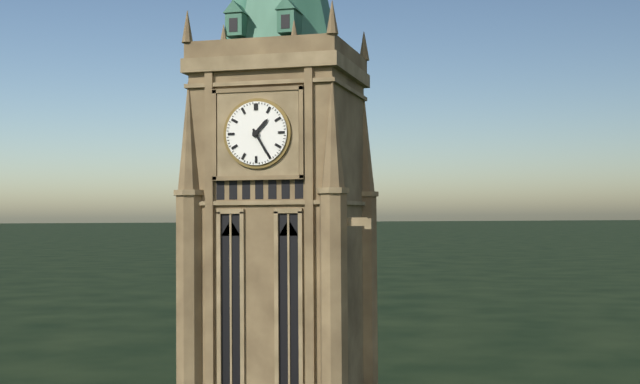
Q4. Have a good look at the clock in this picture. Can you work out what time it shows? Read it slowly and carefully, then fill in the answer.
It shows 1:25
